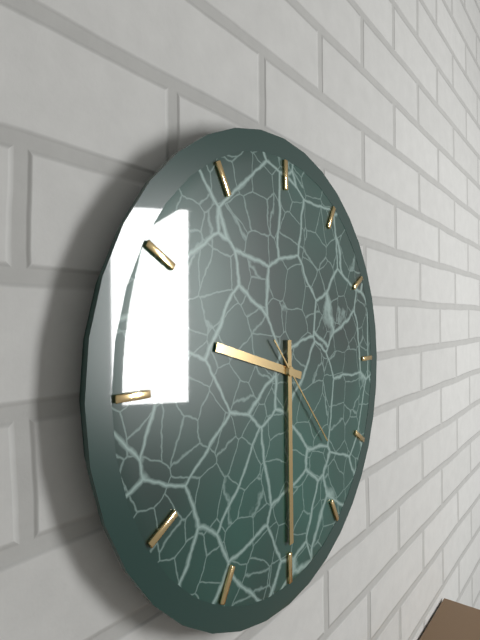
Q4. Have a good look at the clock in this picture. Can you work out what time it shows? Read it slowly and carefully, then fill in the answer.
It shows 9:30:23
